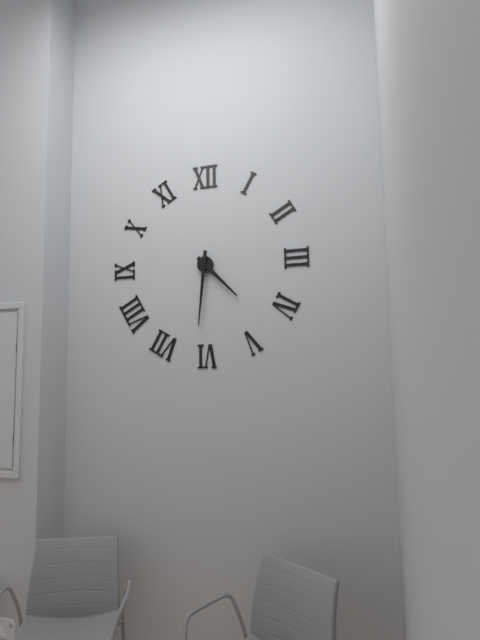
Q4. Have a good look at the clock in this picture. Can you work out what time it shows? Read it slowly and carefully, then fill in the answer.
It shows 4:31
